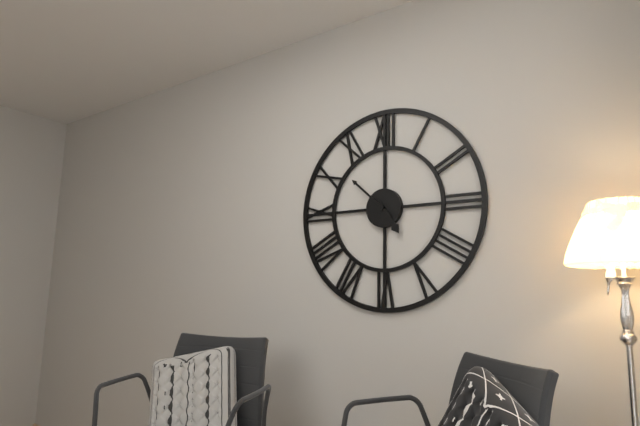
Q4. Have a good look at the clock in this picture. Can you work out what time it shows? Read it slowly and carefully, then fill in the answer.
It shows 4:52
